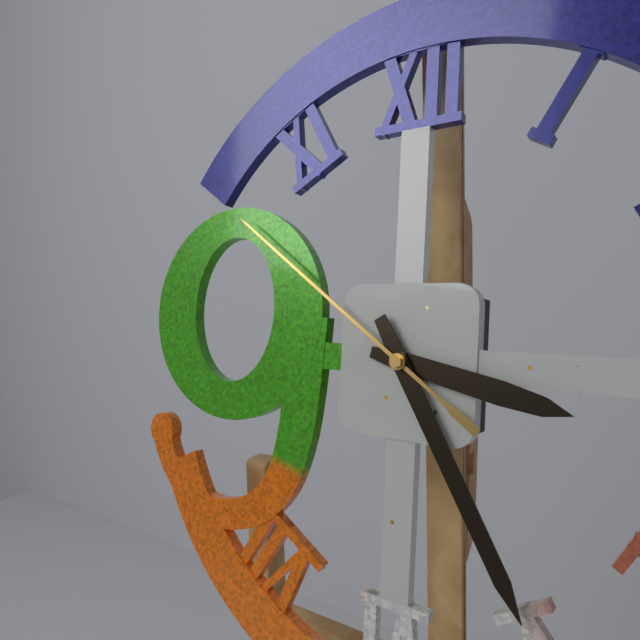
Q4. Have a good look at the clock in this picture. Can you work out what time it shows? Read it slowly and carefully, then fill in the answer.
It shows 3:25:51
